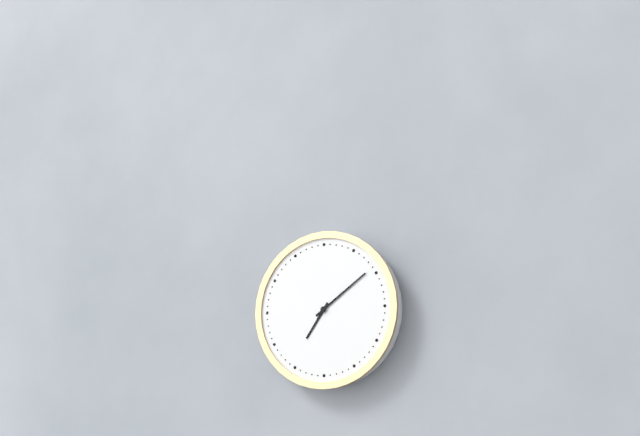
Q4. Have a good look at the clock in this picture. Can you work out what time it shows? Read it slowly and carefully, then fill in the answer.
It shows 7:09
